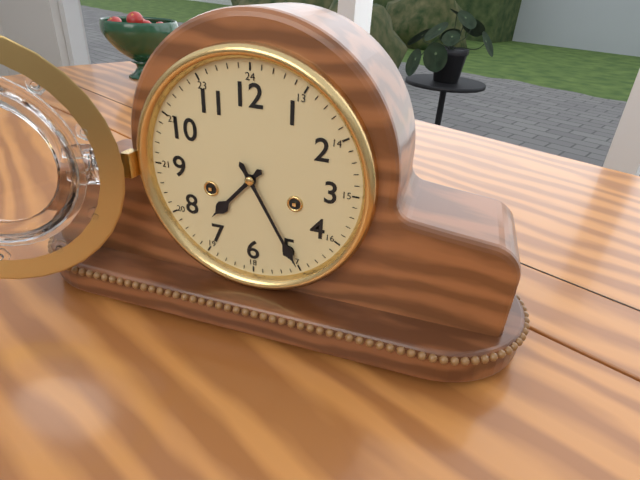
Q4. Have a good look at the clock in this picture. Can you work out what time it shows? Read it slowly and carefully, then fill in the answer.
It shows 7:25
